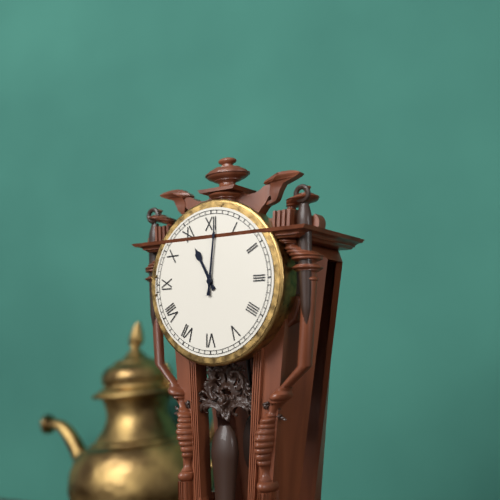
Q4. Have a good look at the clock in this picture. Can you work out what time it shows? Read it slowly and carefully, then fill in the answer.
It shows 11:01
